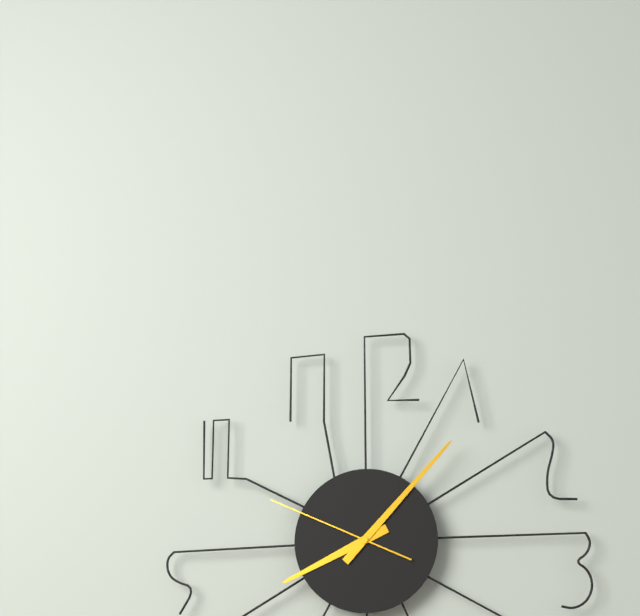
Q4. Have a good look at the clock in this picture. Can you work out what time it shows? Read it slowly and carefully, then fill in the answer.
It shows 8:07:49
